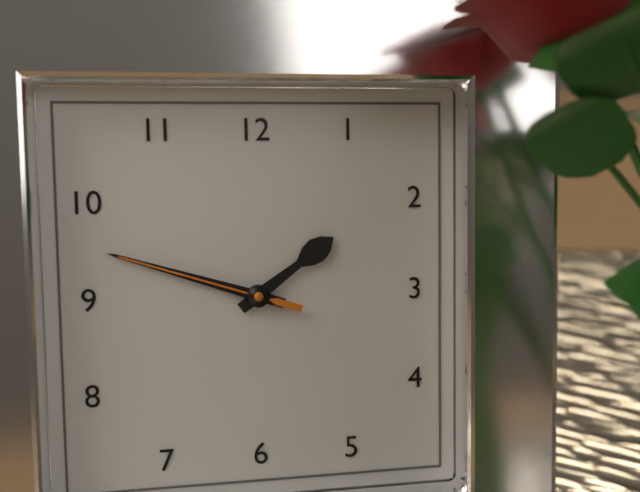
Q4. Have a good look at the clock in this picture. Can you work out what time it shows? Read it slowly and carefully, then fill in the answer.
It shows 1:48:48
